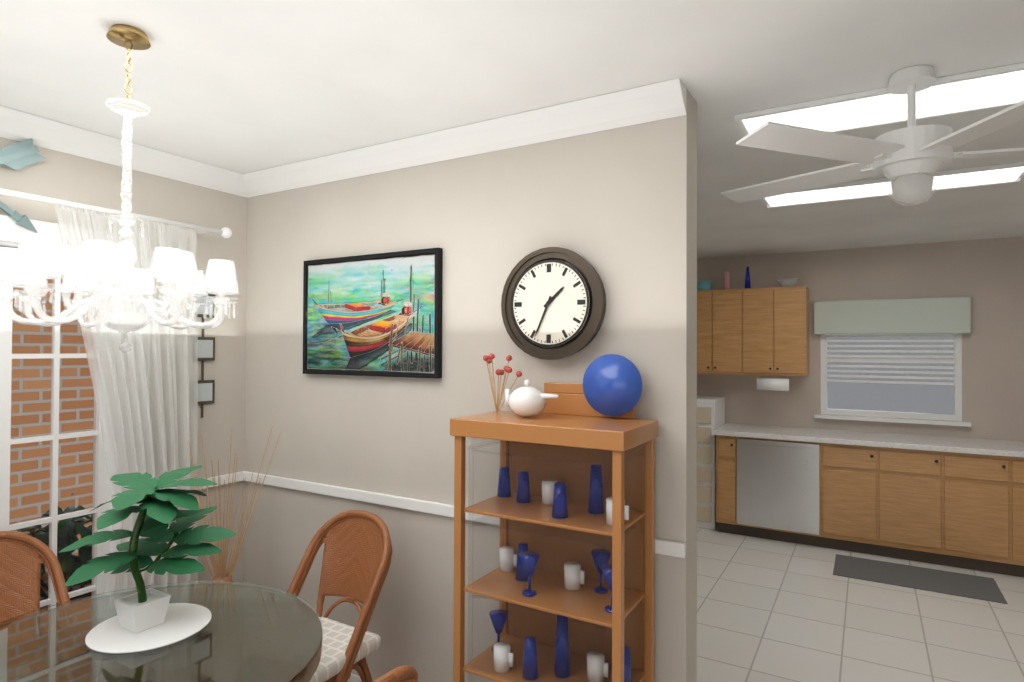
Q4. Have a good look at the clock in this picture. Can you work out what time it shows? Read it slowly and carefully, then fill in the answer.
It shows 1:34
